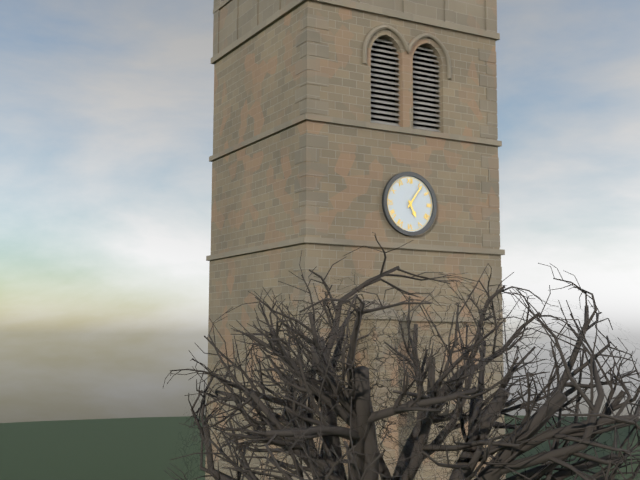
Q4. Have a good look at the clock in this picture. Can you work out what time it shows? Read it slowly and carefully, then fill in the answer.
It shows 5:06
